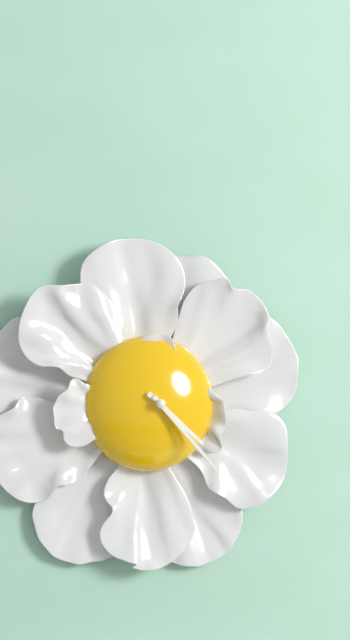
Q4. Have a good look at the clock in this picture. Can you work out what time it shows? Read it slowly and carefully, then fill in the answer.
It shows 4:23
